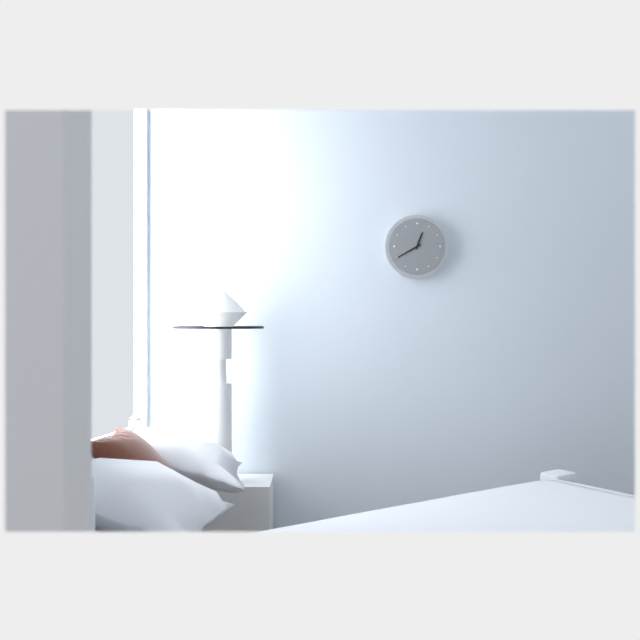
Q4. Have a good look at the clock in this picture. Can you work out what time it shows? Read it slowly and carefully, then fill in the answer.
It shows 12:40
